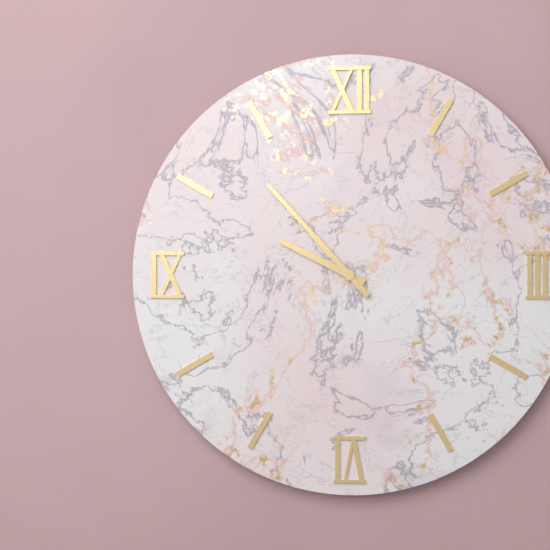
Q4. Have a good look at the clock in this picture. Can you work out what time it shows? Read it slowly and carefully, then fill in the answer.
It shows 9:53
